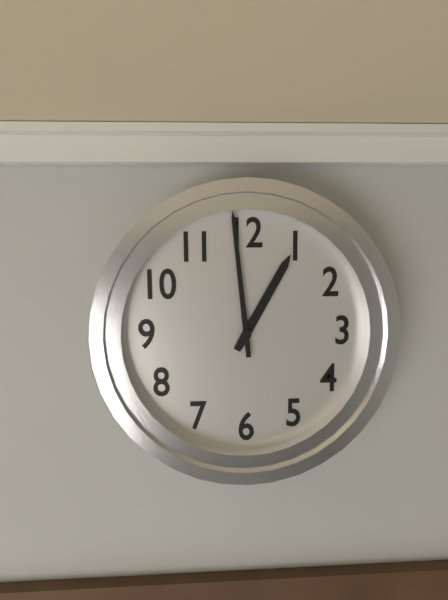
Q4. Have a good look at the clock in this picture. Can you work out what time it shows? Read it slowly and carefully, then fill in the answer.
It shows 12:59
